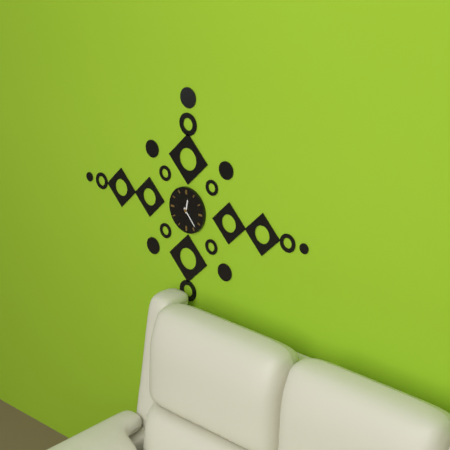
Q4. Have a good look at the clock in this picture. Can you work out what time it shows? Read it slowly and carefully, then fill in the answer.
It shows 12:23
